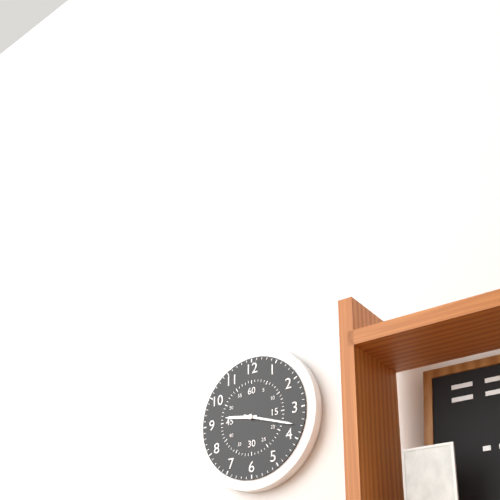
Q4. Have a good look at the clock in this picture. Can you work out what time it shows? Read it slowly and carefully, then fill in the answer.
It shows 9:18
